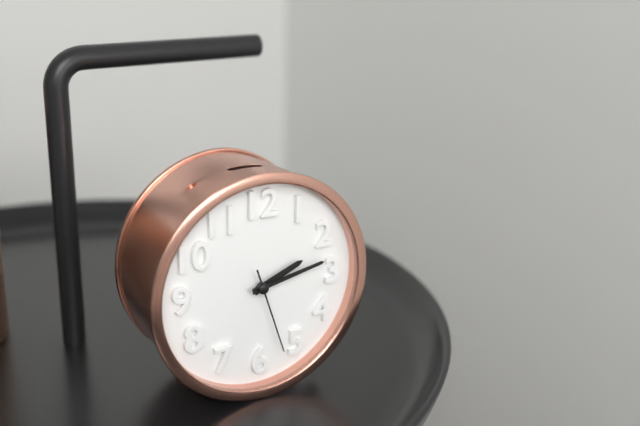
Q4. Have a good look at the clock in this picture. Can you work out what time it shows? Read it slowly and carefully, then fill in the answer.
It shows 2:13:27
